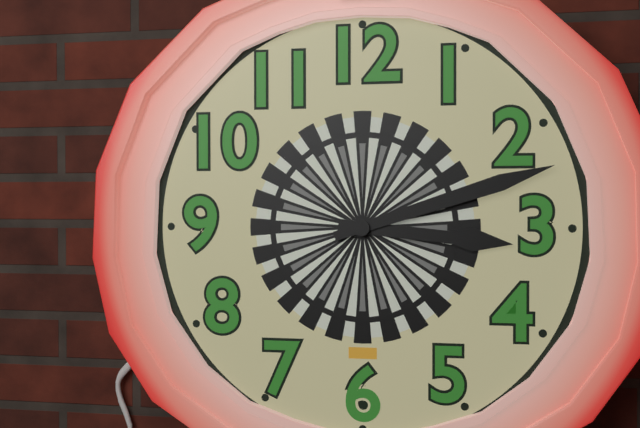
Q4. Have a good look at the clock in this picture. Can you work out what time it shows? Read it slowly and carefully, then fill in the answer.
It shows 3:12
